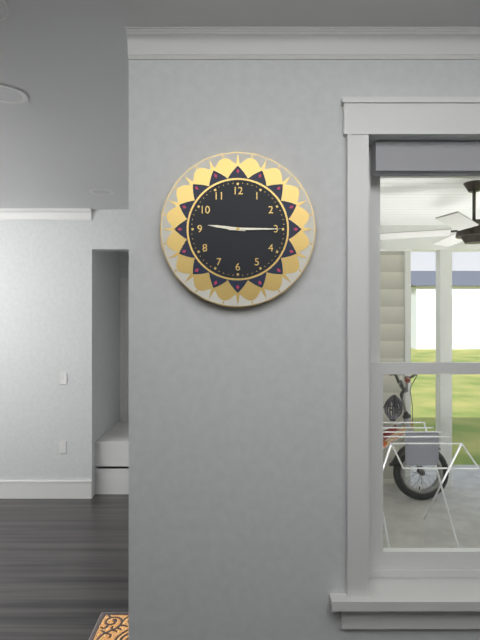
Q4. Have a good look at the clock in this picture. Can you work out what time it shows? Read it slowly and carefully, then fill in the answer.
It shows 9:15
